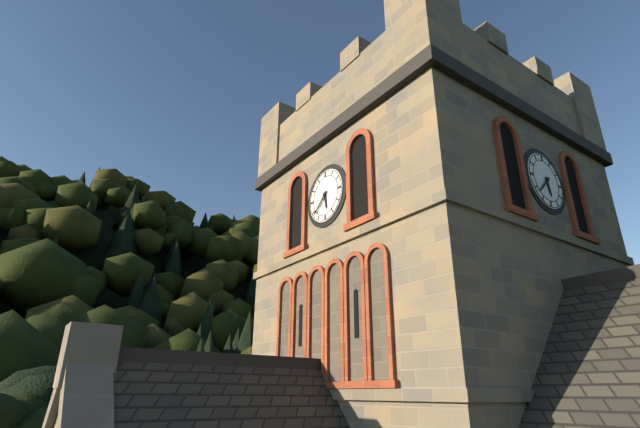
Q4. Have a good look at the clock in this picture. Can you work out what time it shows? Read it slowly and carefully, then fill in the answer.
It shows 5:38
